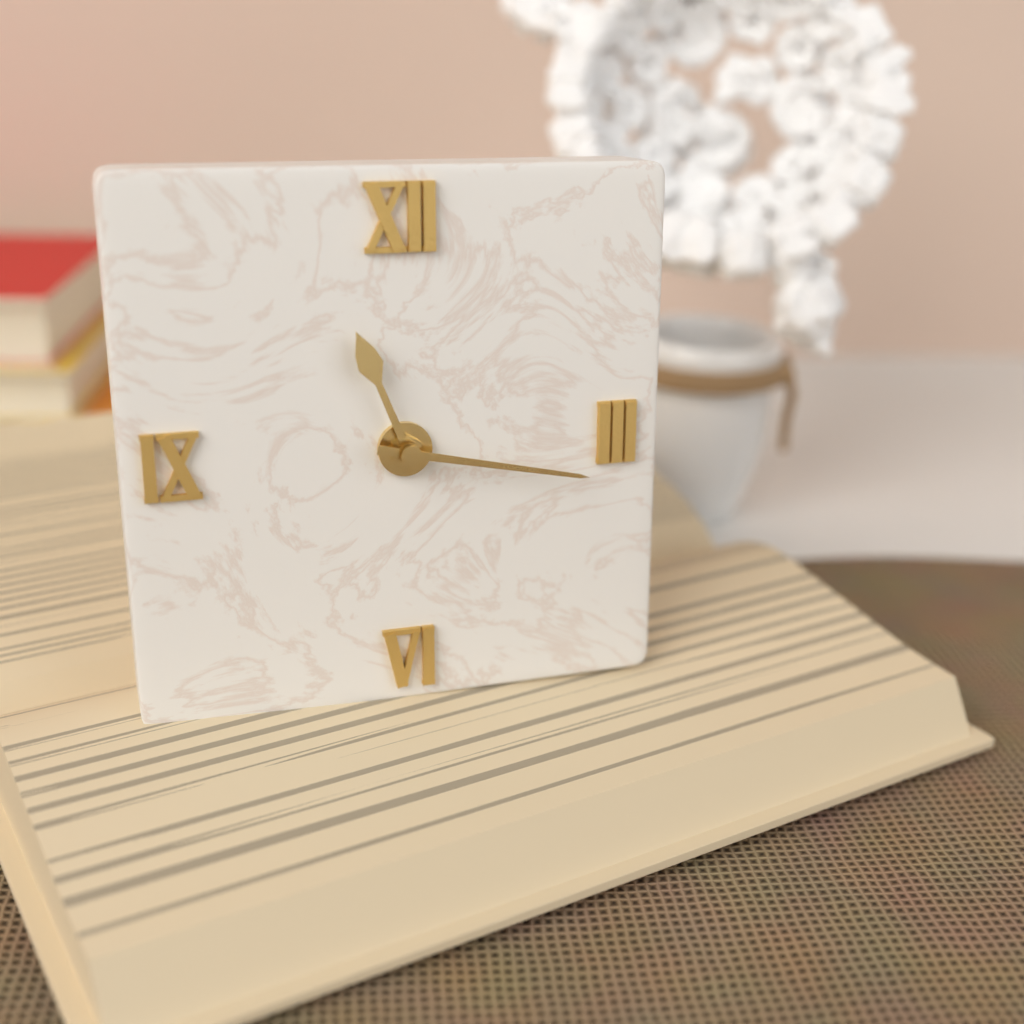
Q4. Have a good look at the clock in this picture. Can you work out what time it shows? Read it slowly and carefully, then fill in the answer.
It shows 11:17
